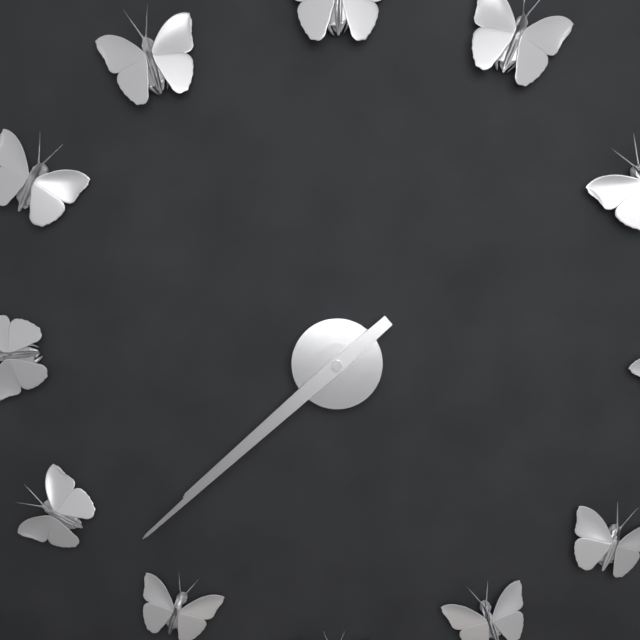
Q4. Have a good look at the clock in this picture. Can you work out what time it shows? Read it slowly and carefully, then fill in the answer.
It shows 7:38
